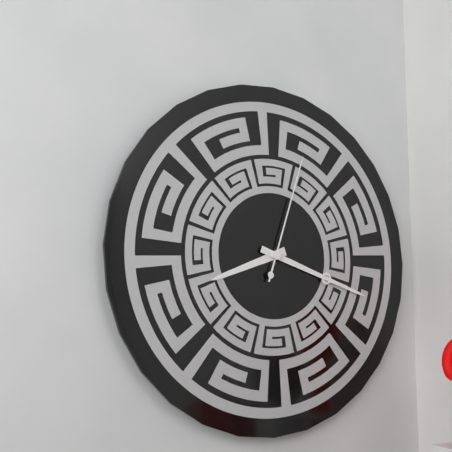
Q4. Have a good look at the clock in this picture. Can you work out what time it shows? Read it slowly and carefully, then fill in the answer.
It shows 8:18:03
